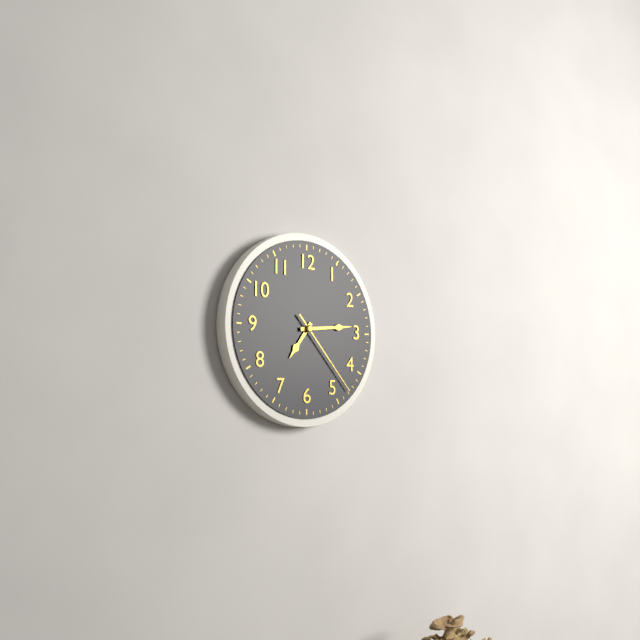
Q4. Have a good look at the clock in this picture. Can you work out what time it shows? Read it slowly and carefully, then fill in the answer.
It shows 7:14:23
